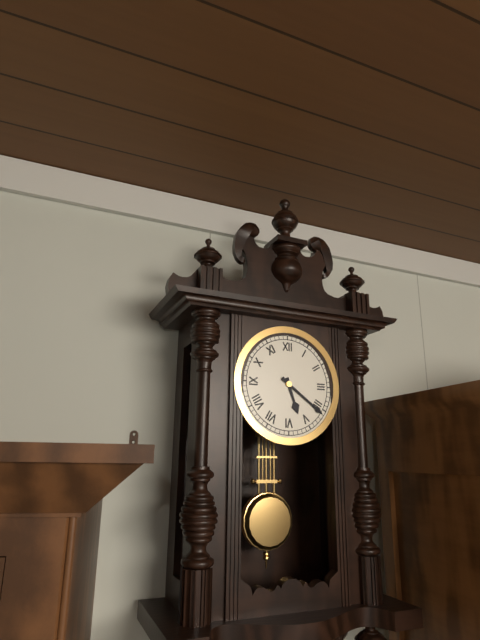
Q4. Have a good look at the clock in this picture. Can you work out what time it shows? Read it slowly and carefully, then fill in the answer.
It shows 5:21
